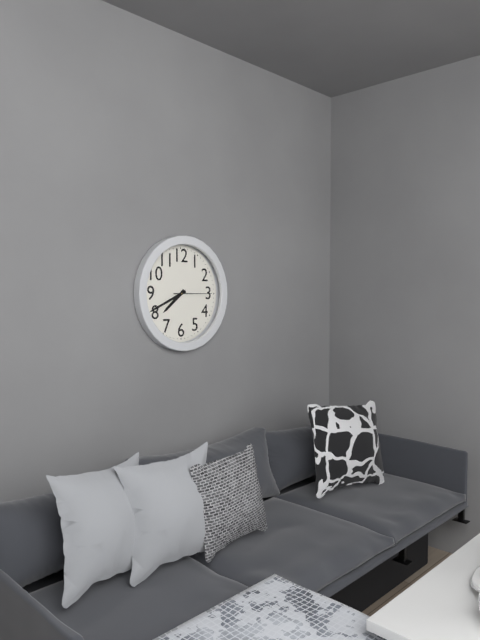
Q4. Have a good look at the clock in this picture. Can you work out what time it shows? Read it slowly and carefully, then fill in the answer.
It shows 7:41
